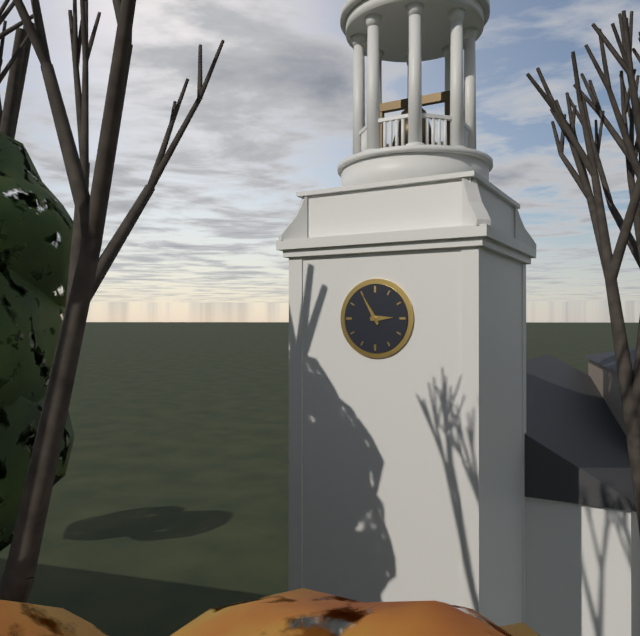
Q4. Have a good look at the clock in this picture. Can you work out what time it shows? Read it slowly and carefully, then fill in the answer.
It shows 2:55
